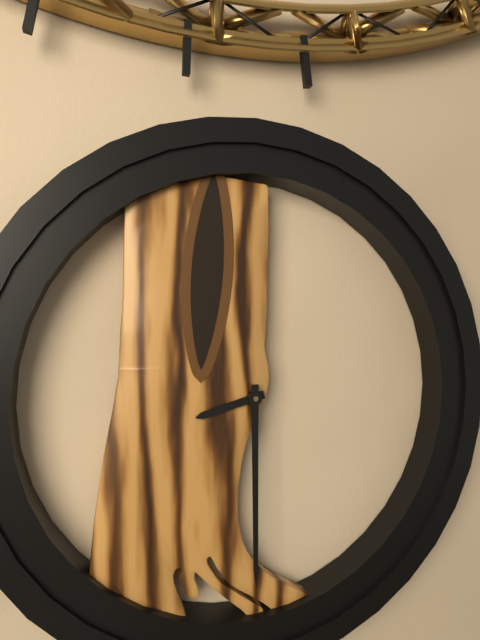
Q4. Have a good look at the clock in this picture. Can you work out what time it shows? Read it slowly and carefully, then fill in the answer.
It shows 8:30
